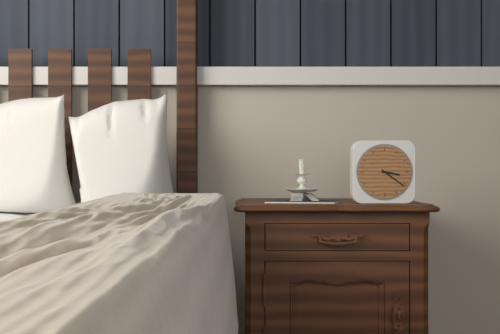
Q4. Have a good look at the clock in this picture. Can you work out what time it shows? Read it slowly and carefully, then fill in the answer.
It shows 3:21
